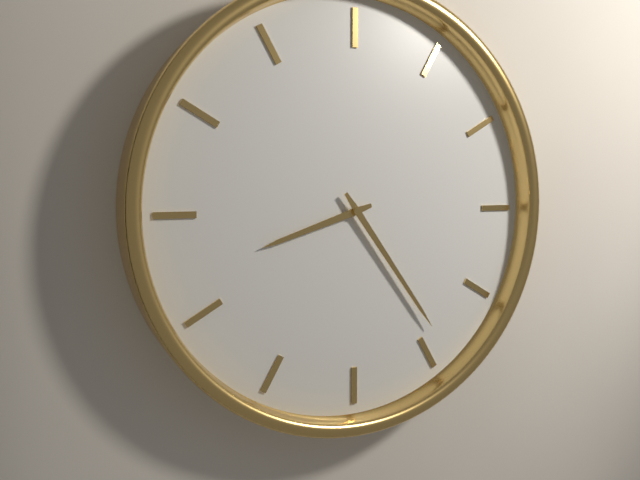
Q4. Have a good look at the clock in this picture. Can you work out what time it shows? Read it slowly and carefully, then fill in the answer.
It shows 8:24
